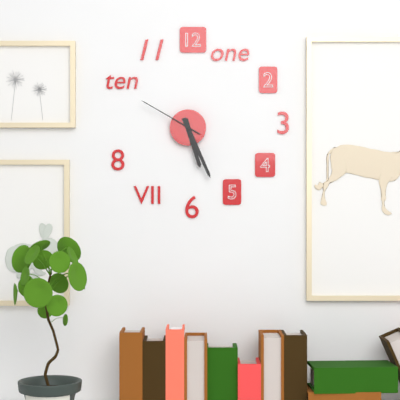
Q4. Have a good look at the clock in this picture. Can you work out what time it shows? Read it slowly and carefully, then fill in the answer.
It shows 5:26:50
